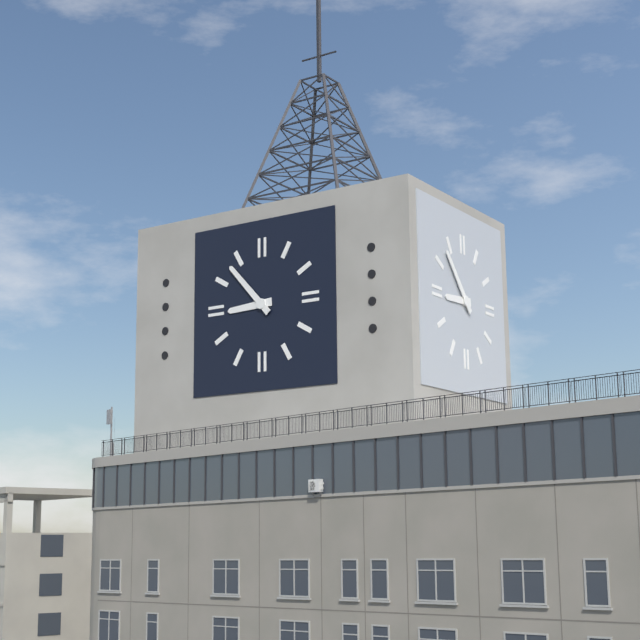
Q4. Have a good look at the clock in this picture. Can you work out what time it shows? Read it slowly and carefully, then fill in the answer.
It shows 8:53
